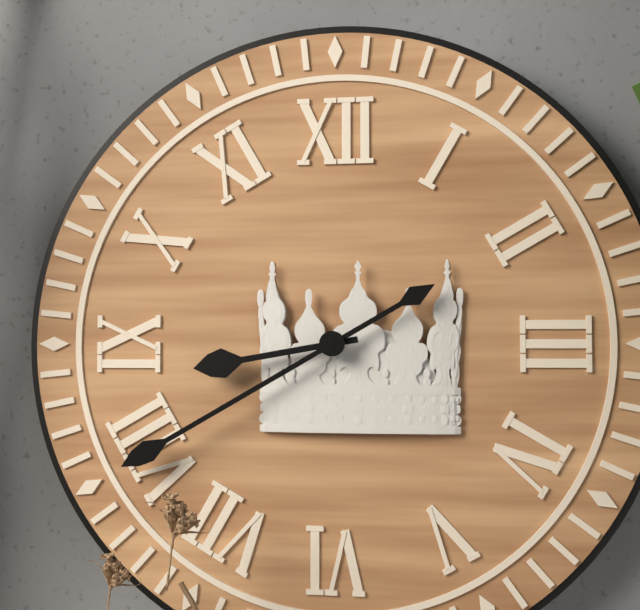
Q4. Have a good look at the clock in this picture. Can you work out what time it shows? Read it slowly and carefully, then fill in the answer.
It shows 8:40
